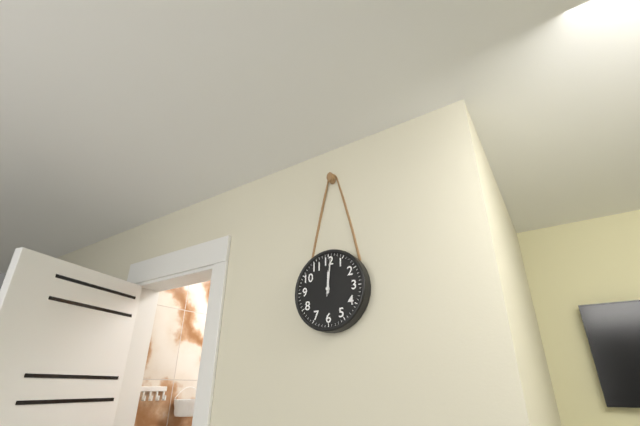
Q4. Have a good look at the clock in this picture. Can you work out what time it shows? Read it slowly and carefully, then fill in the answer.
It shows 12:01
